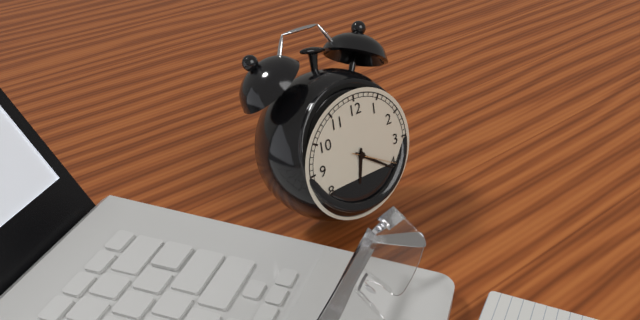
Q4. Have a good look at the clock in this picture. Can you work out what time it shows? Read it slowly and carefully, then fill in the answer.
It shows 6:21
